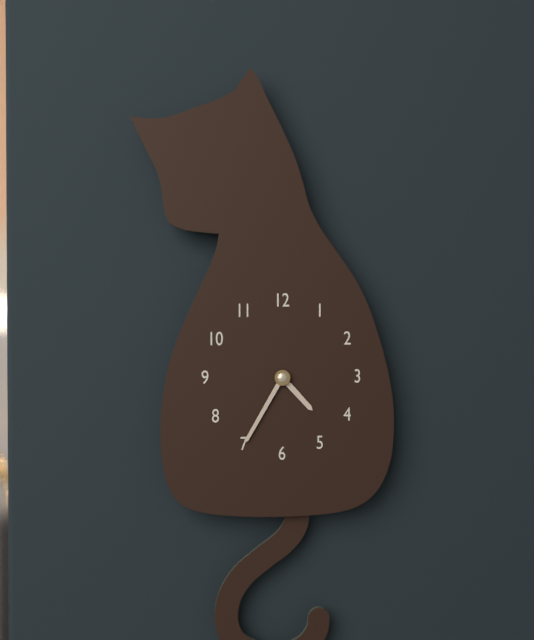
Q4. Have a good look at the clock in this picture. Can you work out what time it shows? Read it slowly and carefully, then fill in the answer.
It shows 4:35
